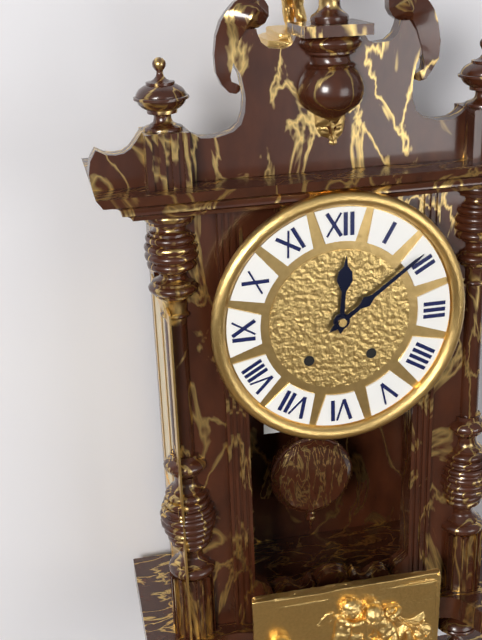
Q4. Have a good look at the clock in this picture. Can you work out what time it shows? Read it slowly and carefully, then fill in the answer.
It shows 12:09
